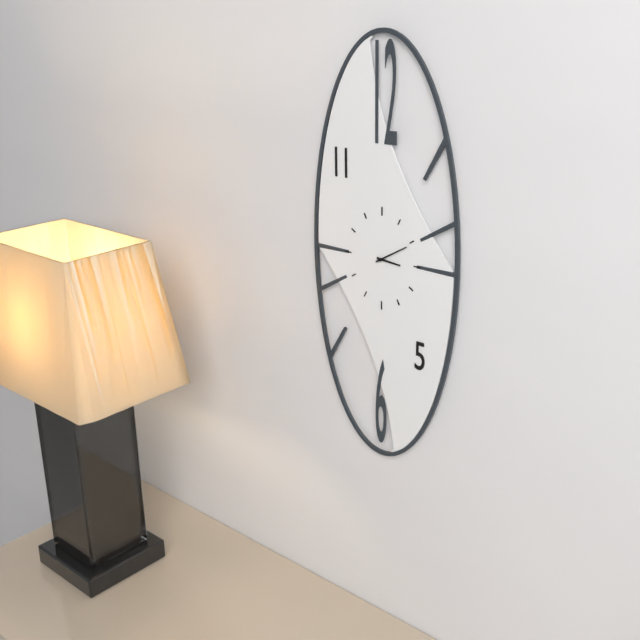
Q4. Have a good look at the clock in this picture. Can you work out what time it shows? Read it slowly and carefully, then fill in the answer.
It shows 3:10
